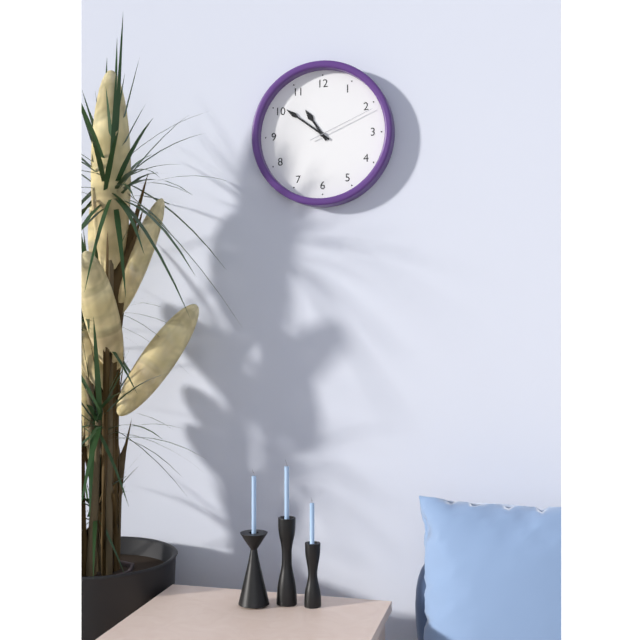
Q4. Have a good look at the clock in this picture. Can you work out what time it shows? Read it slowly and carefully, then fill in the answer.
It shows 10:51:11
